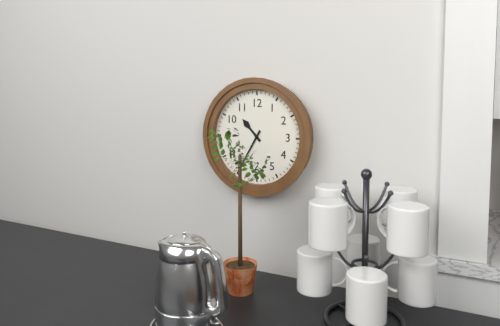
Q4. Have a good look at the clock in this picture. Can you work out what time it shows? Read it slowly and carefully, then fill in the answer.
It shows 10:35
